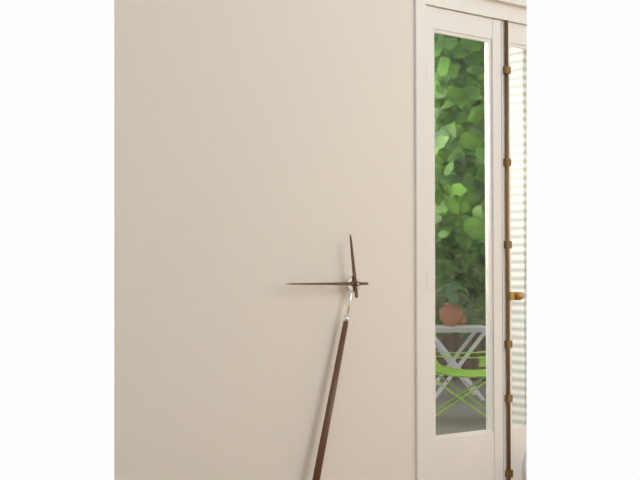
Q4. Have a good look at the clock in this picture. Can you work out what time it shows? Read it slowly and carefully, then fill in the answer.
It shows 11:45
